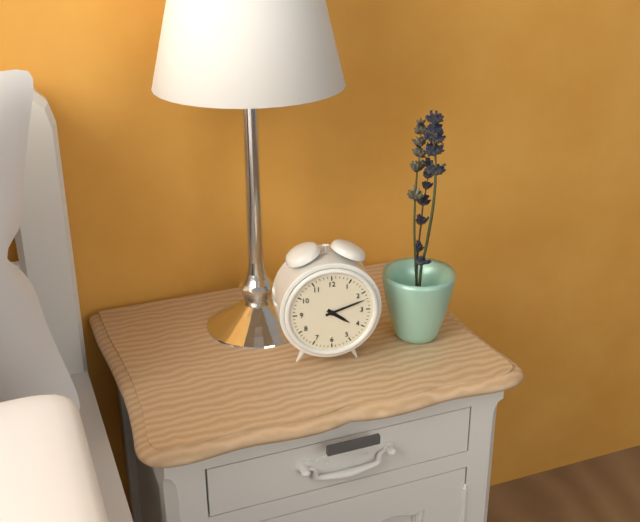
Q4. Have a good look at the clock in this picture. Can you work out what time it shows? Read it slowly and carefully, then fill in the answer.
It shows 4:12
